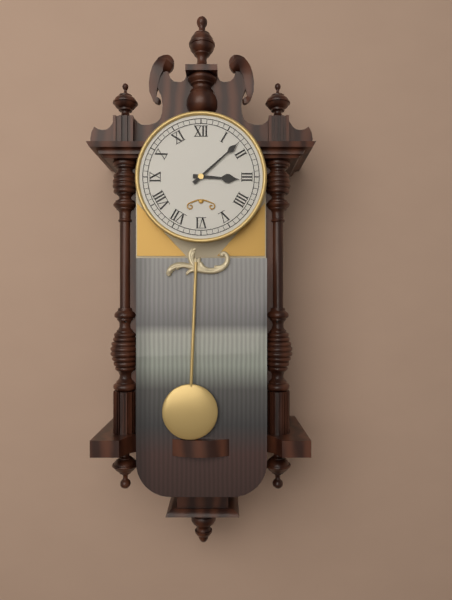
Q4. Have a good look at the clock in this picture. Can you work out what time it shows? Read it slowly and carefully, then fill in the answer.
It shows 3:08
